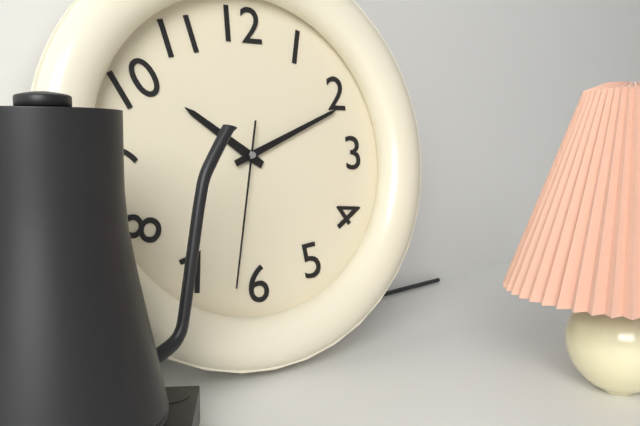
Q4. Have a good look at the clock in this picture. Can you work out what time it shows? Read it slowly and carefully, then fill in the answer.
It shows 10:11:32
